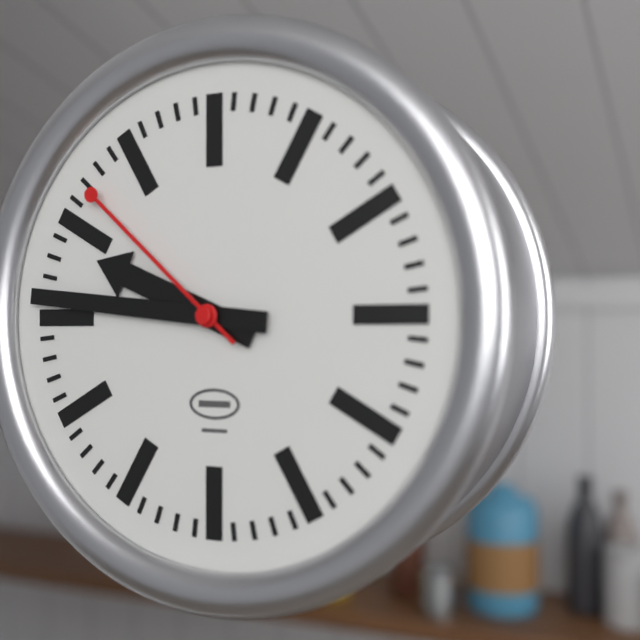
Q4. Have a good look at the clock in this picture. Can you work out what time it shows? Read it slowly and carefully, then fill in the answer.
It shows 9:46:52
